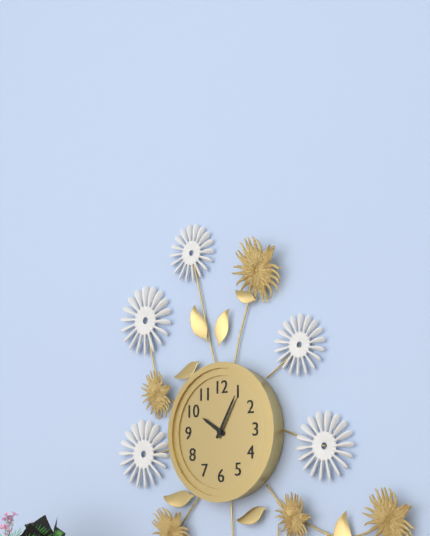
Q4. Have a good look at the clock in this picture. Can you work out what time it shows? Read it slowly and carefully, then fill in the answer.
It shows 10:05
